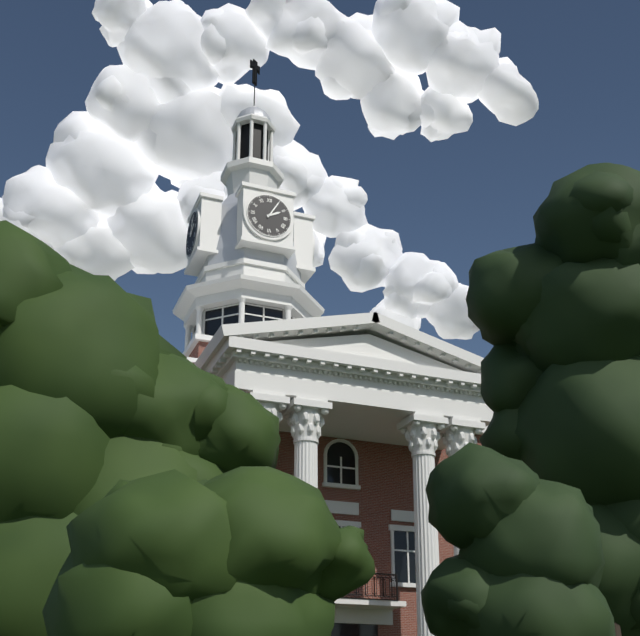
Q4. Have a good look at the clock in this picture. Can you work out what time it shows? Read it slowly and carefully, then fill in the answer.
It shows 2:05
